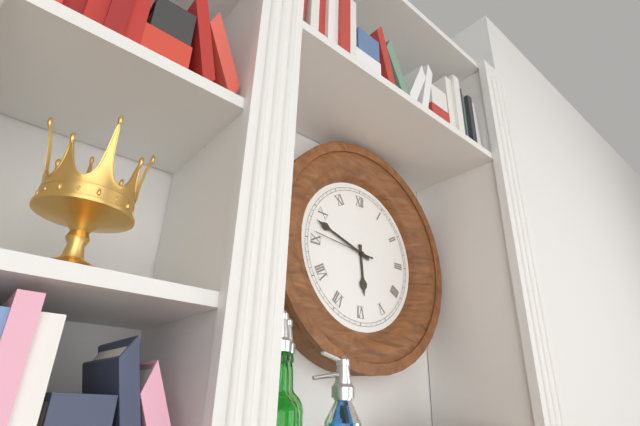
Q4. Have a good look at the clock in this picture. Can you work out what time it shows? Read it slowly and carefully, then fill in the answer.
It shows 5:48:46
